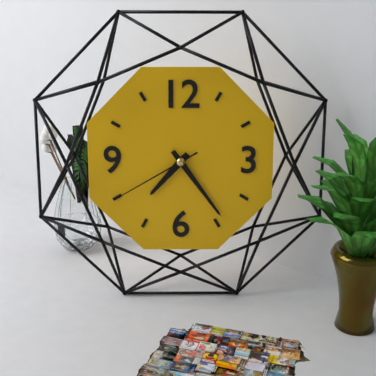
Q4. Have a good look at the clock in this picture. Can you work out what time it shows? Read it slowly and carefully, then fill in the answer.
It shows 7:24:40
